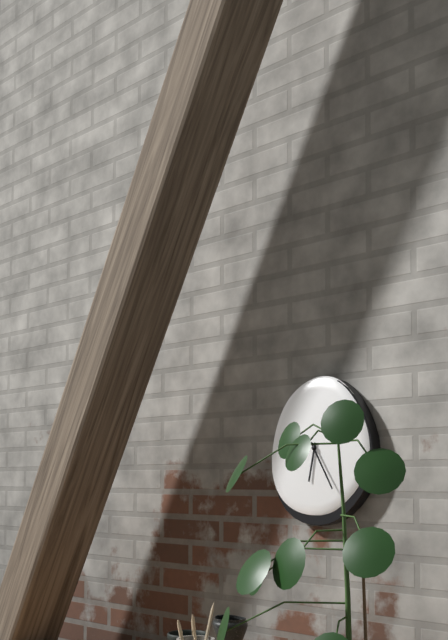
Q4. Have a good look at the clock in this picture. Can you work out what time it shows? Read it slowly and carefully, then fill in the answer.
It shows 6:25
